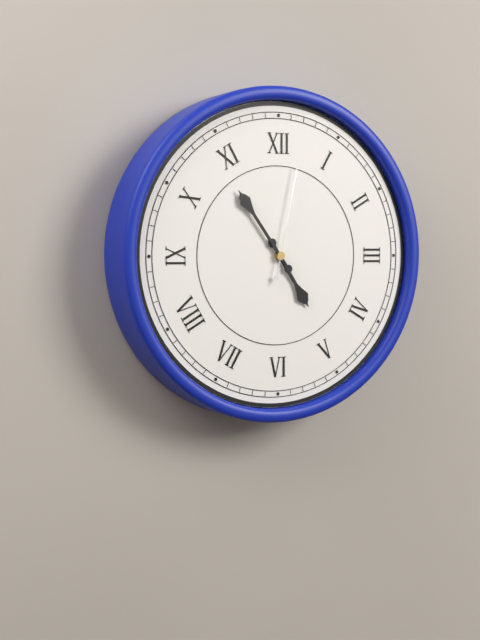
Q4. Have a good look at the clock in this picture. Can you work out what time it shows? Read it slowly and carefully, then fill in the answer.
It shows 4:54:02
